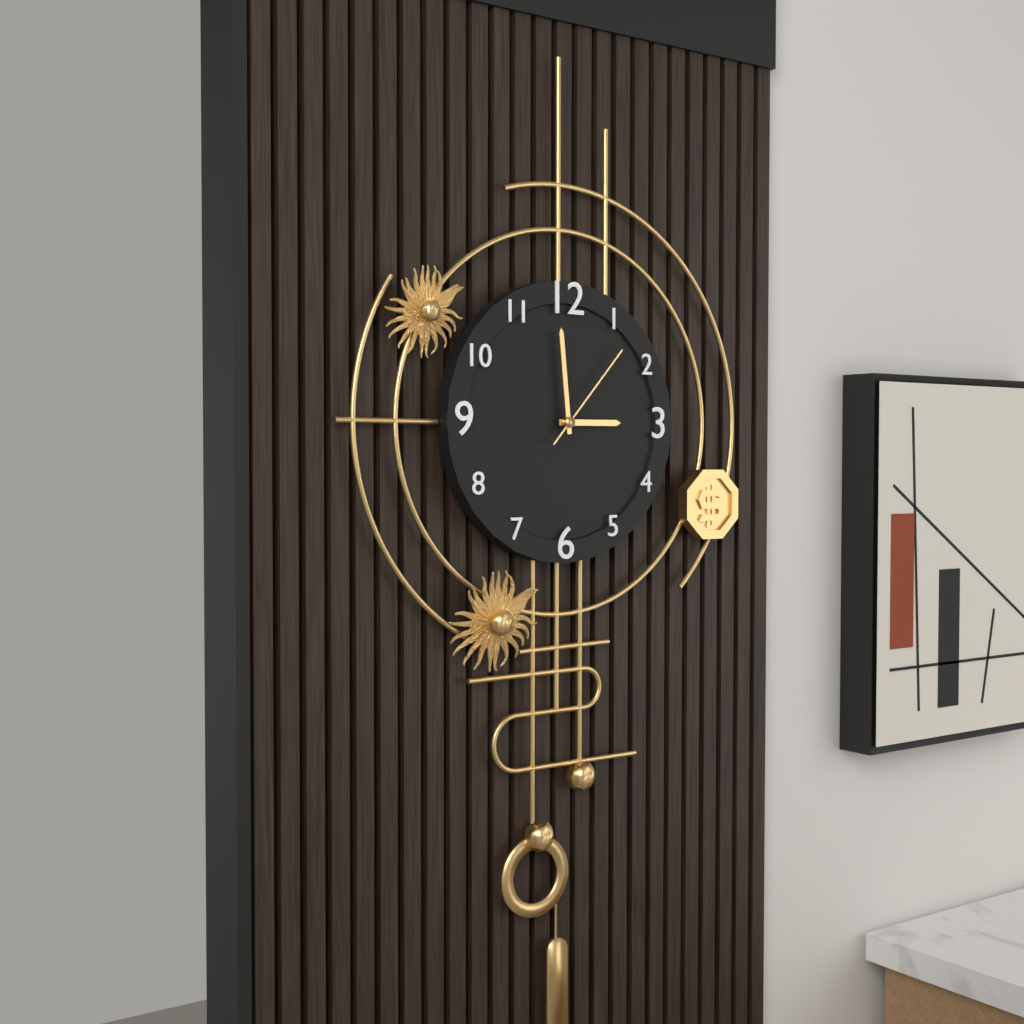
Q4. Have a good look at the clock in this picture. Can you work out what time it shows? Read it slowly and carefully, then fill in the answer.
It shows 2:59:07
